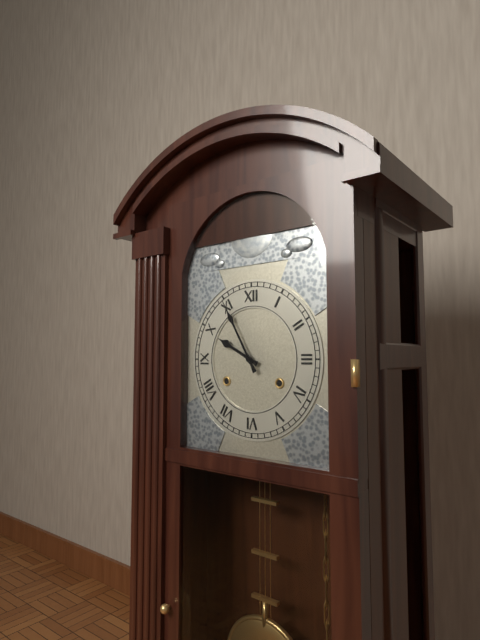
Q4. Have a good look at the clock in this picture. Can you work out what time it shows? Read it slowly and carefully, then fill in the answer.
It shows 9:55
